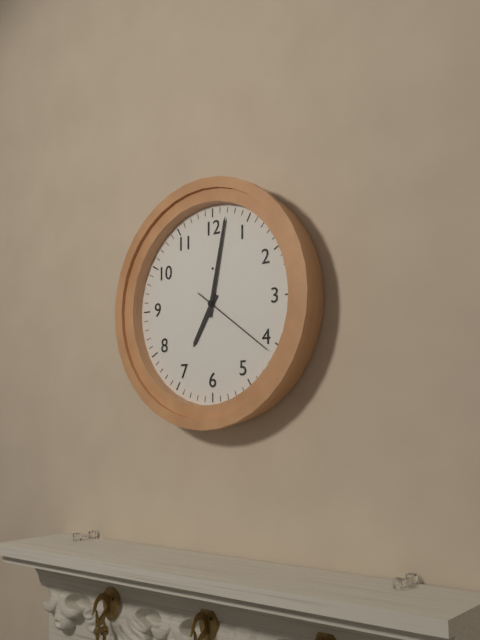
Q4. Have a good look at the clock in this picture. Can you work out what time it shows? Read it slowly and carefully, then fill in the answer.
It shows 7:02:21
